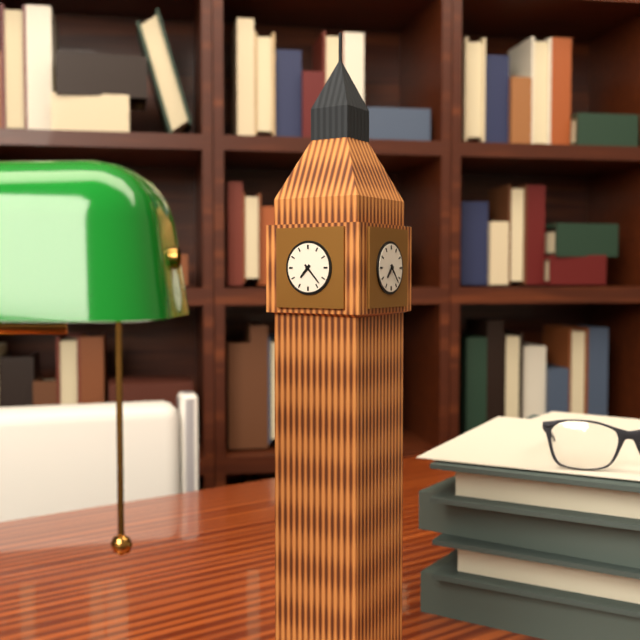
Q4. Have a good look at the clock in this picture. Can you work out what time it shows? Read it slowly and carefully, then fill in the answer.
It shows 7:23
